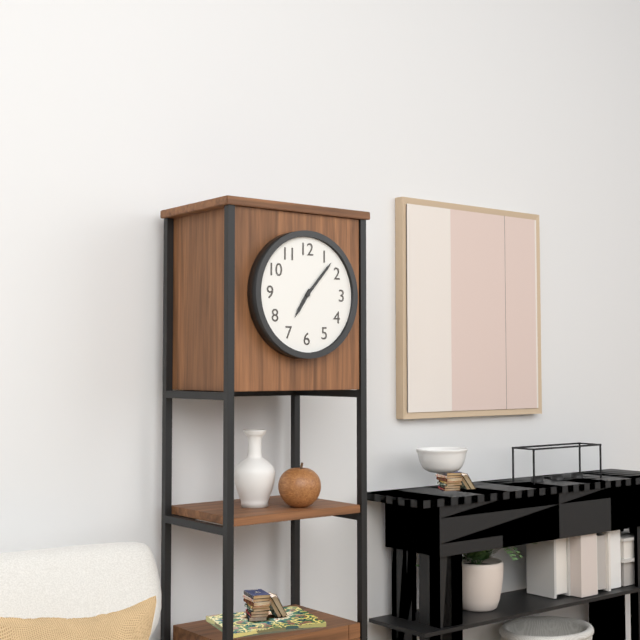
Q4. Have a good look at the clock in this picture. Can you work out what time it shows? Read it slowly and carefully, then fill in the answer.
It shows 7:07
